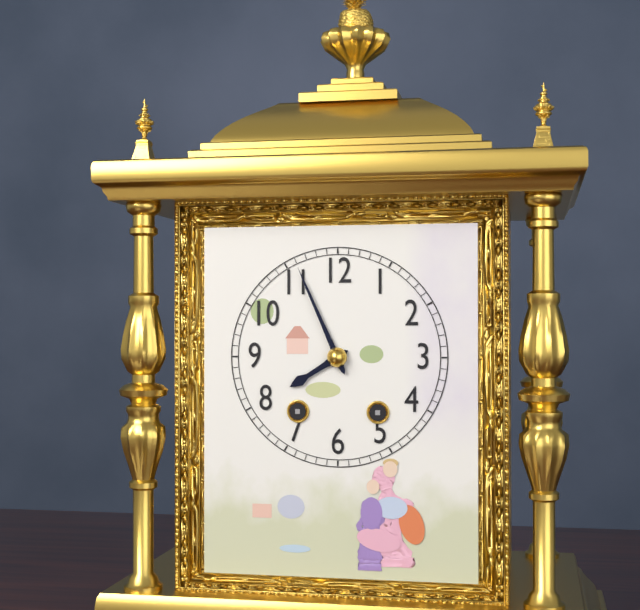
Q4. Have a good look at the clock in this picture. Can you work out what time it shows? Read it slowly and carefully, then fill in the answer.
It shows 7:56
